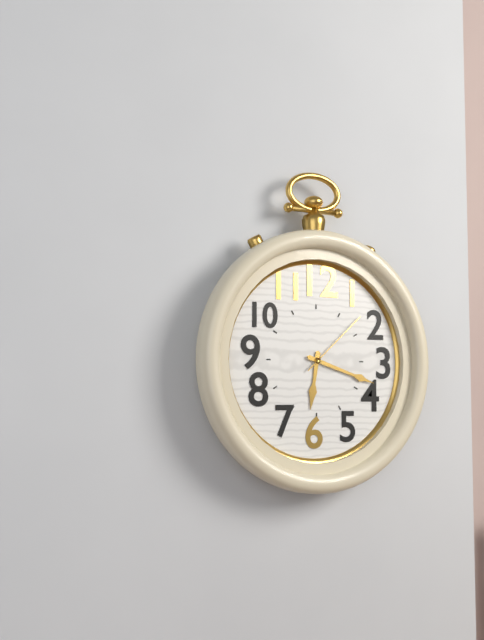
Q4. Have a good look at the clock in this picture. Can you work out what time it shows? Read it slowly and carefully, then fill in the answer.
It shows 6:18:08
